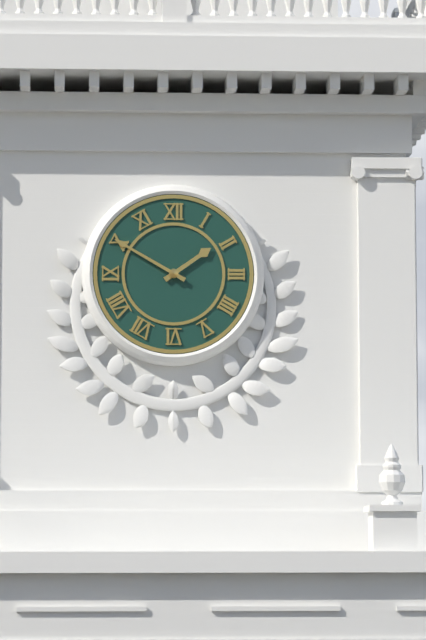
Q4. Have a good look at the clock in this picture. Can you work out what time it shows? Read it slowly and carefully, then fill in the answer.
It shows 1:50
